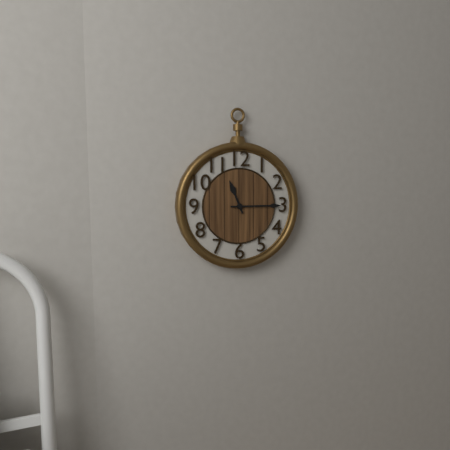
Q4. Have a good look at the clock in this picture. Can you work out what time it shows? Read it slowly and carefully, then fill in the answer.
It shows 11:15
